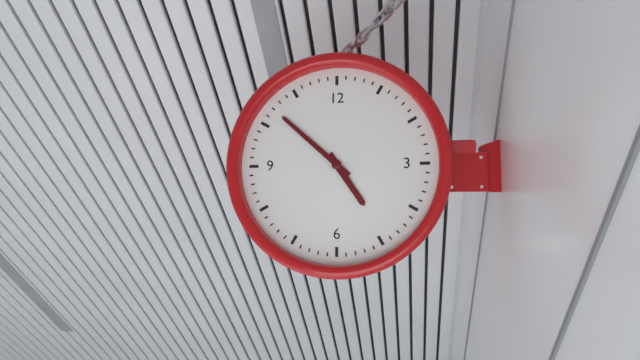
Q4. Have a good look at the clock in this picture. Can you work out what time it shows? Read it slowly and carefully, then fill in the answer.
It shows 4:52
